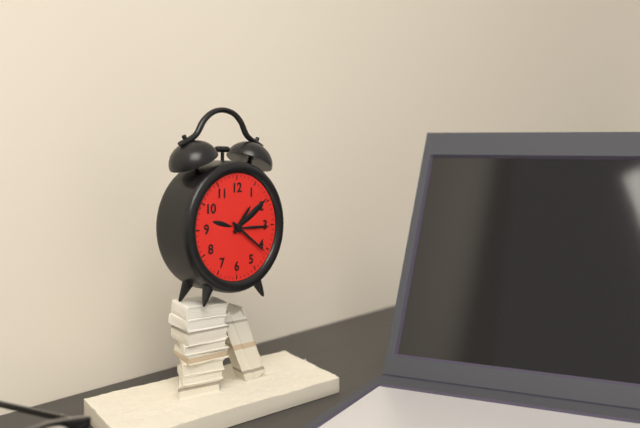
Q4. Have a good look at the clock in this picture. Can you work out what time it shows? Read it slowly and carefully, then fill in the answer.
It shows 1:21
